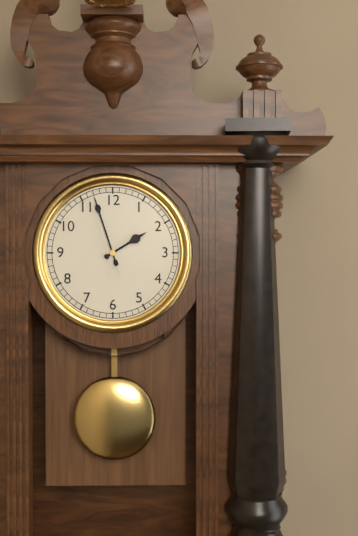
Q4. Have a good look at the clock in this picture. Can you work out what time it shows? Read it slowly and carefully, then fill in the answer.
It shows 1:57
